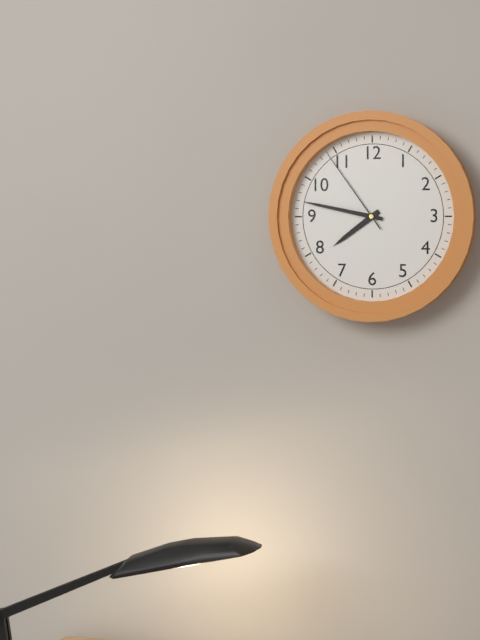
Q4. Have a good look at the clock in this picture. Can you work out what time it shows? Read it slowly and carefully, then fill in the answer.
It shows 7:47:54
